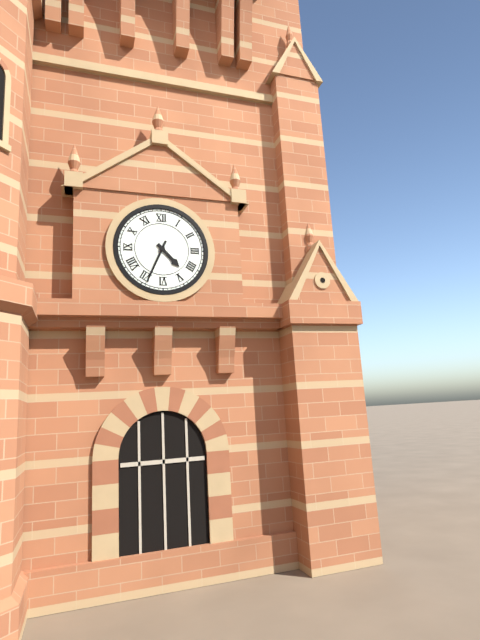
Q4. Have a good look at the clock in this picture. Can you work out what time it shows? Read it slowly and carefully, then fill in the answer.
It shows 4:34
